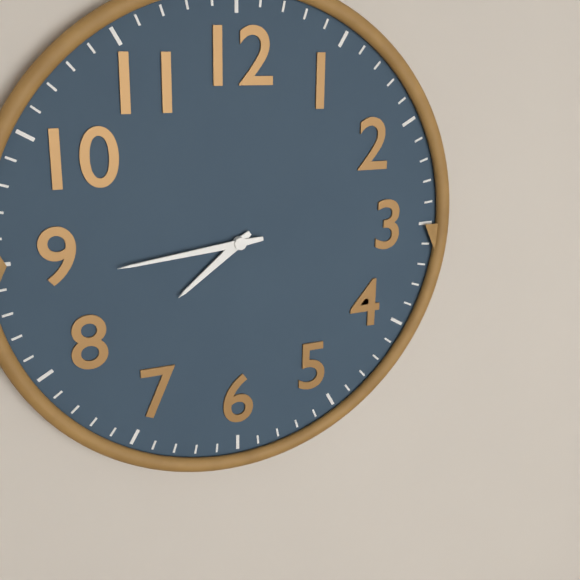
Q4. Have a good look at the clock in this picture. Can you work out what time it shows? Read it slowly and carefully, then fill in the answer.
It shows 7:44
